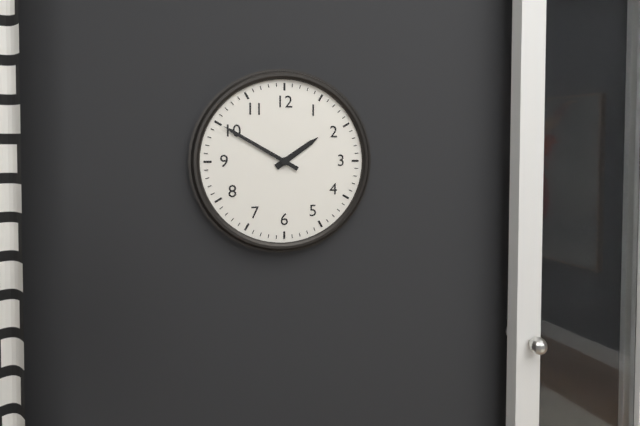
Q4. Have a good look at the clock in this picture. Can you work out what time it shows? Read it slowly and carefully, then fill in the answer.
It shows 1:50
